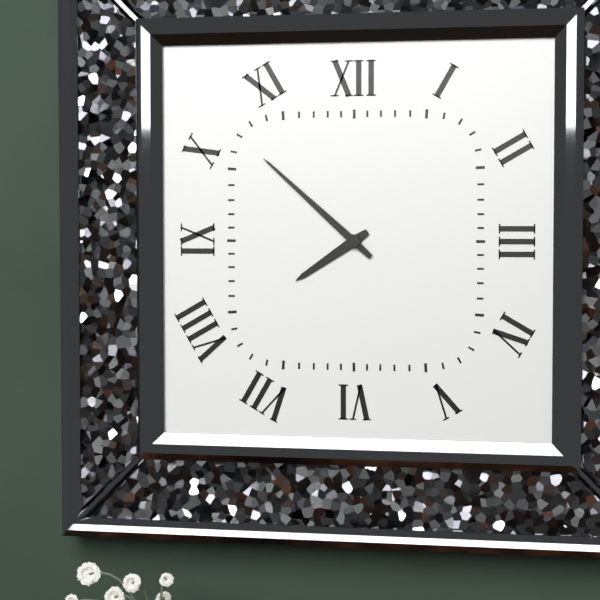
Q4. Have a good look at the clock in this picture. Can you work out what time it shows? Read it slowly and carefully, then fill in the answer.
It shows 7:52
